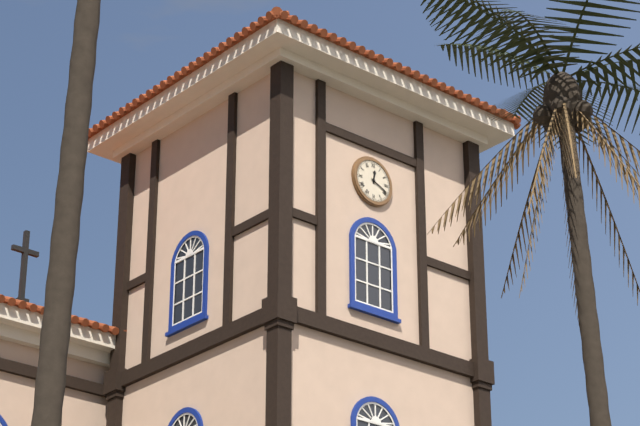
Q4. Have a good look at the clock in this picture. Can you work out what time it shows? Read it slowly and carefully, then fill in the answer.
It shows 12:19
